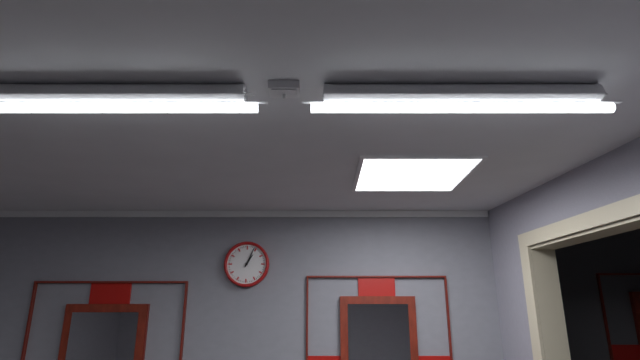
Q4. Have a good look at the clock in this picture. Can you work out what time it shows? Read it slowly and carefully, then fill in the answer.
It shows 1:04
